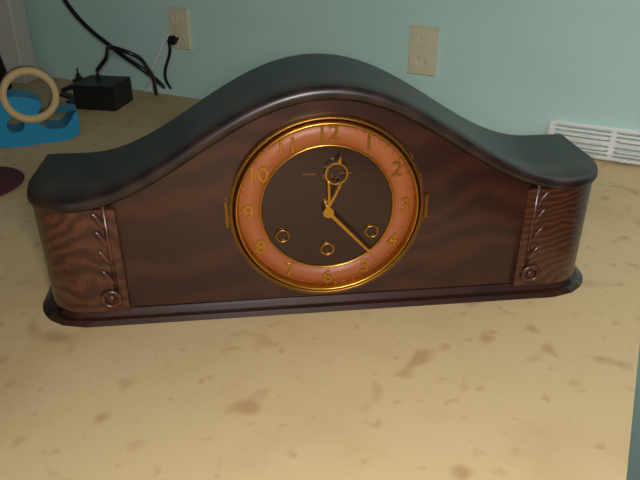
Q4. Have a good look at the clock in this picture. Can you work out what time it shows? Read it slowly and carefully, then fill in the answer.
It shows 12:23
